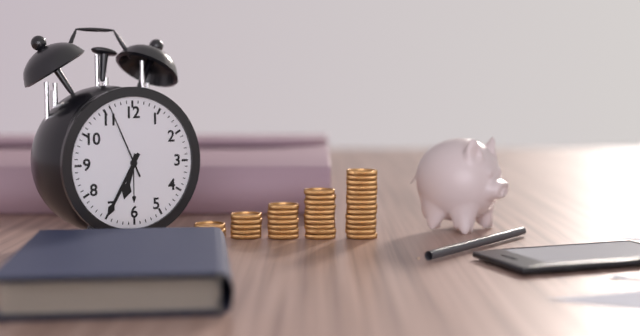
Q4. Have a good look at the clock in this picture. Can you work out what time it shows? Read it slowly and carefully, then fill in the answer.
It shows 6:35:56
